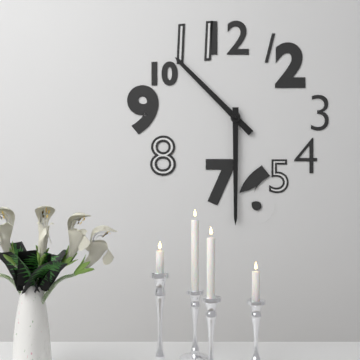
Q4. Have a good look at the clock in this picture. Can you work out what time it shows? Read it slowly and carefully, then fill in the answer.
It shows 10:30
